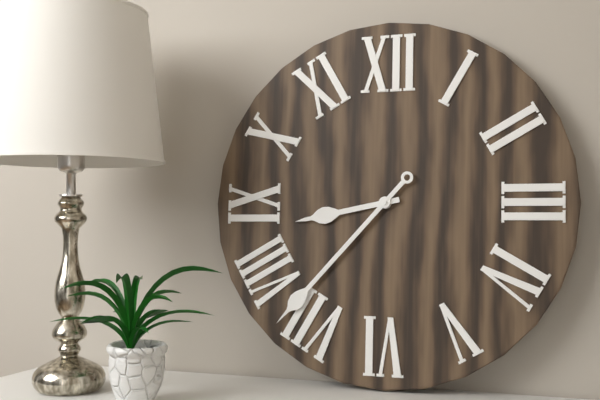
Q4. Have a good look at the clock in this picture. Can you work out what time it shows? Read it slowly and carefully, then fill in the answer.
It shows 8:37
